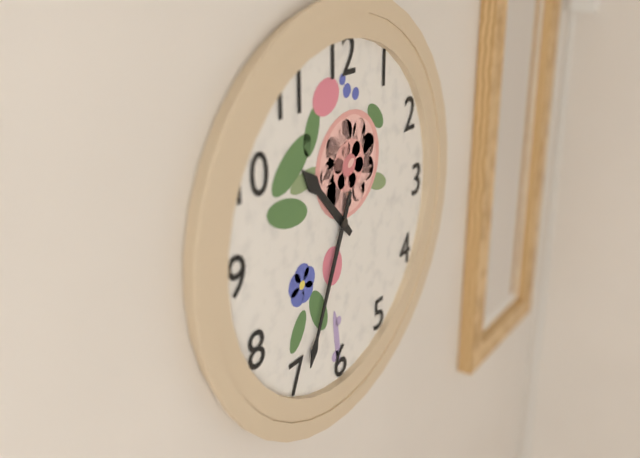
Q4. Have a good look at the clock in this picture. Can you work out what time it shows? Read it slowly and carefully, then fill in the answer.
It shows 10:34
